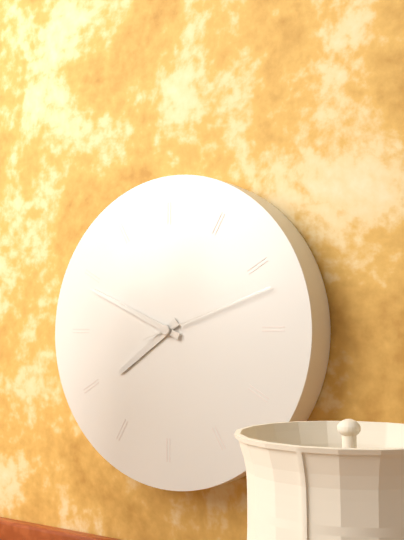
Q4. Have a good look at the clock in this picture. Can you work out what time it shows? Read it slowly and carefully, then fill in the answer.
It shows 7:49:12
